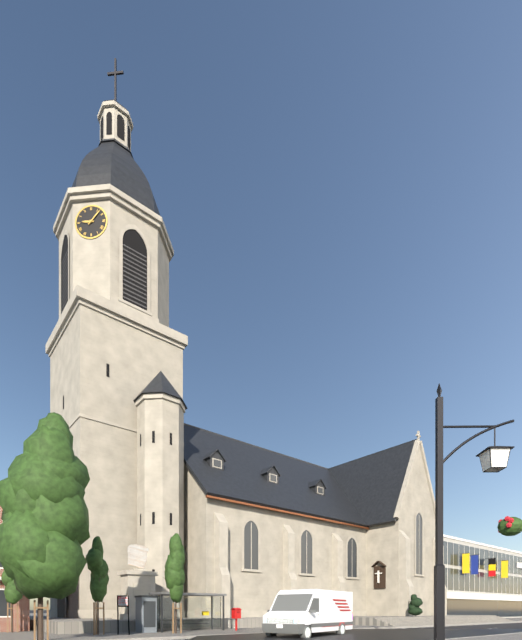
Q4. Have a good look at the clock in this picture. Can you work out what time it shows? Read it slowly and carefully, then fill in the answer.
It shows 9:07
